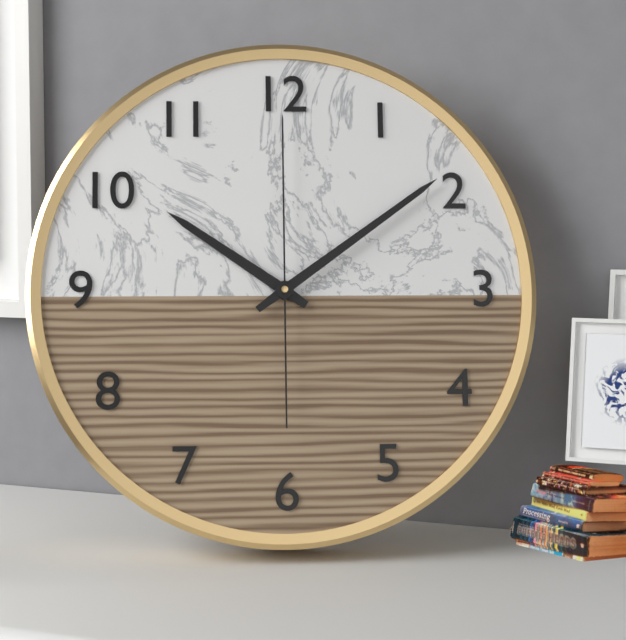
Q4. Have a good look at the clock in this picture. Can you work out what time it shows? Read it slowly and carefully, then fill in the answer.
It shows 10:09:00
